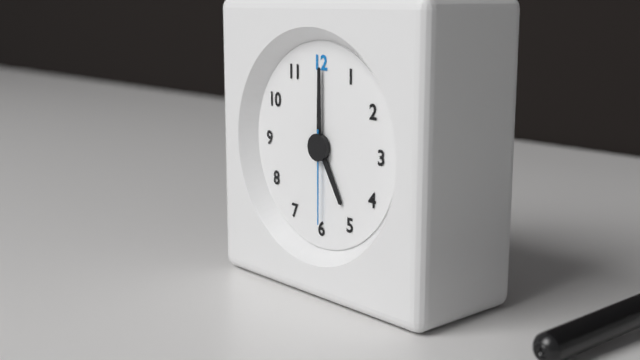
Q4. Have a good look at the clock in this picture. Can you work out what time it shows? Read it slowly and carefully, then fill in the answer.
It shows 5:00:30
